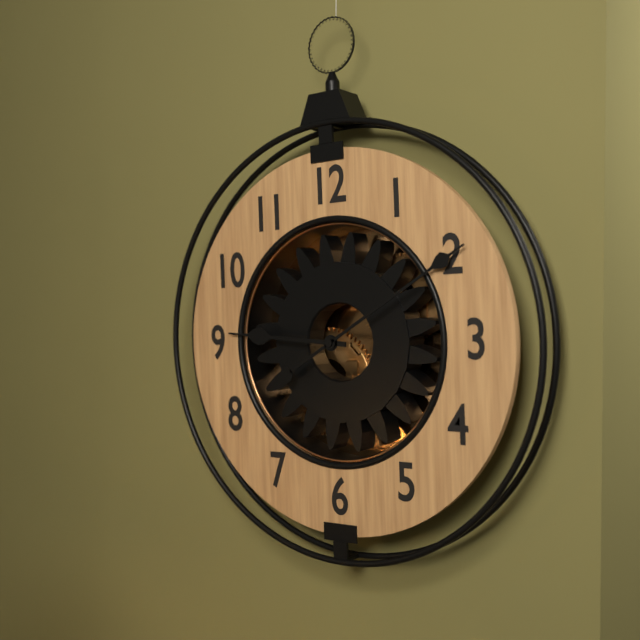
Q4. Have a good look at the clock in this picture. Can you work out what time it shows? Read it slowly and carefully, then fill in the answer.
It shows 9:10
